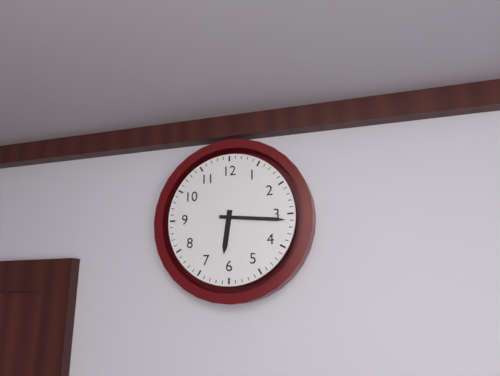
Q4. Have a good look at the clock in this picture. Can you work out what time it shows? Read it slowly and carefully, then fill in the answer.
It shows 6:16
